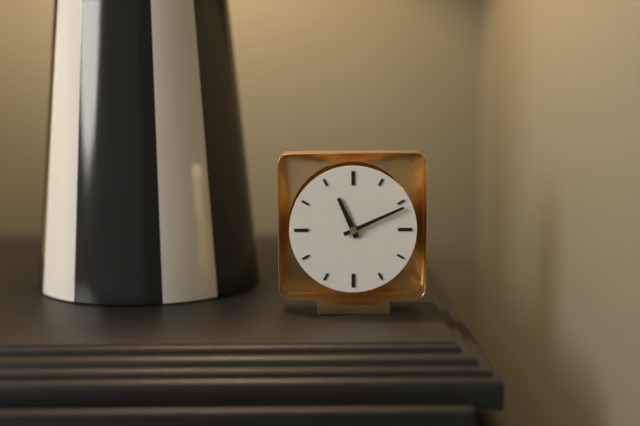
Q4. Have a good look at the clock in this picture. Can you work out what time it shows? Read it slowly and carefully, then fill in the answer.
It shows 11:11
